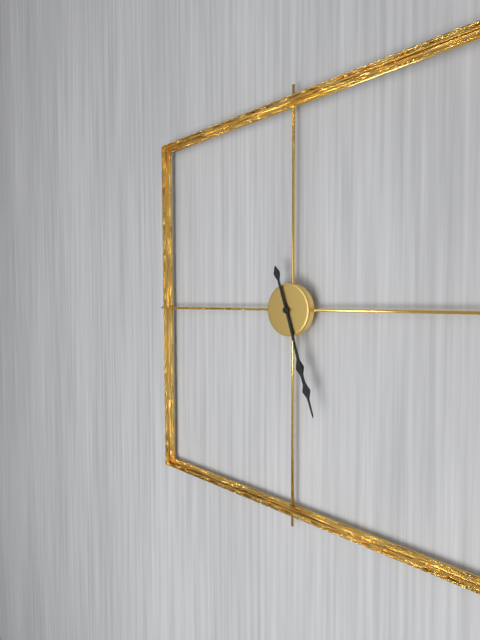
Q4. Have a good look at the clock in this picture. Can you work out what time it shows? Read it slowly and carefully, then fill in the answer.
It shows 5:27
